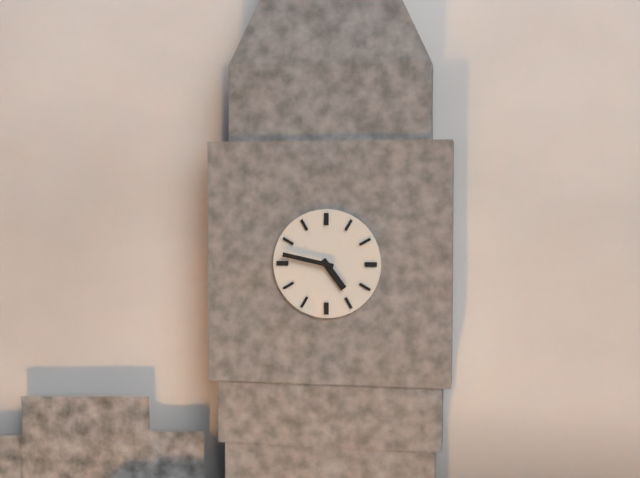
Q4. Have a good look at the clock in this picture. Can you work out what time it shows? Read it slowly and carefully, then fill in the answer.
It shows 4:47
